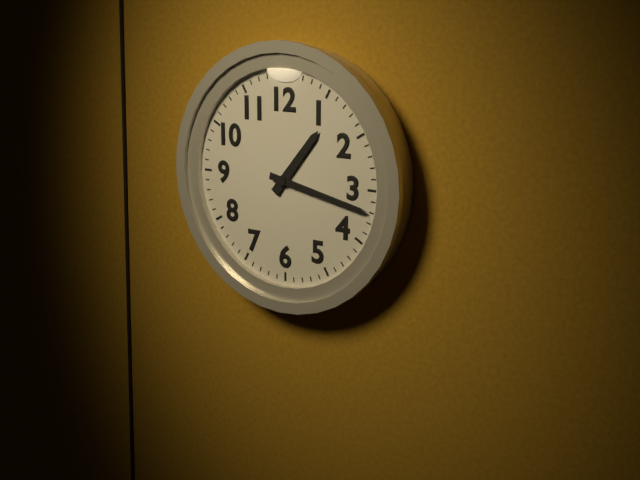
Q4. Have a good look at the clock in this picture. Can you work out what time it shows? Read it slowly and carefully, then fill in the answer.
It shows 1:17
